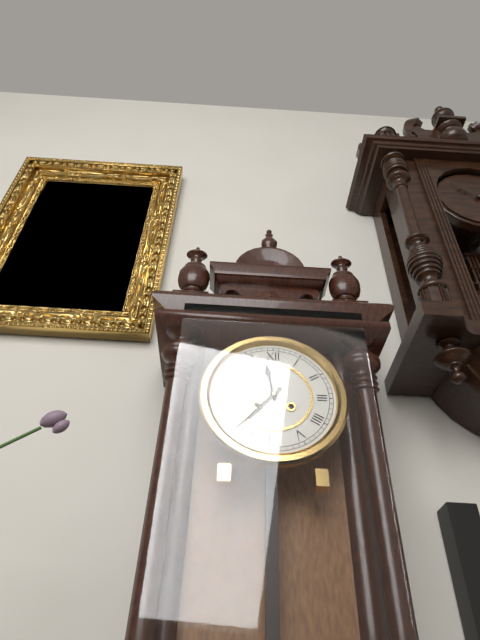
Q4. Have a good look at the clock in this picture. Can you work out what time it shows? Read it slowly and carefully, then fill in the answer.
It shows 11:37
